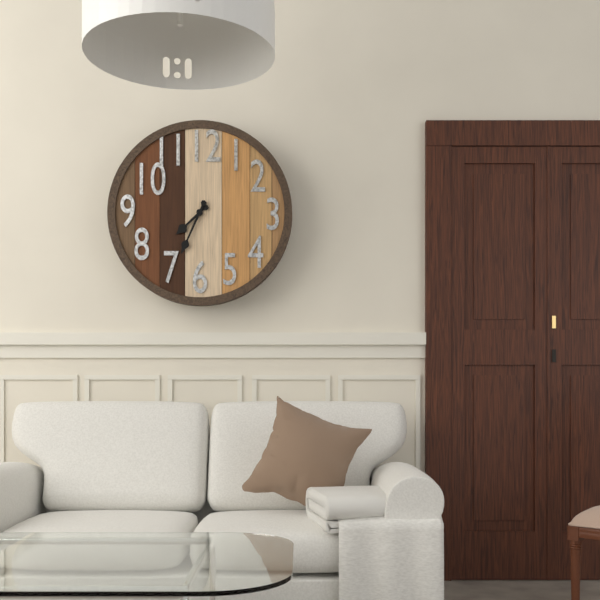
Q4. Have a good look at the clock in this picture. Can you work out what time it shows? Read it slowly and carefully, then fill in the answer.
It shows 7:34
